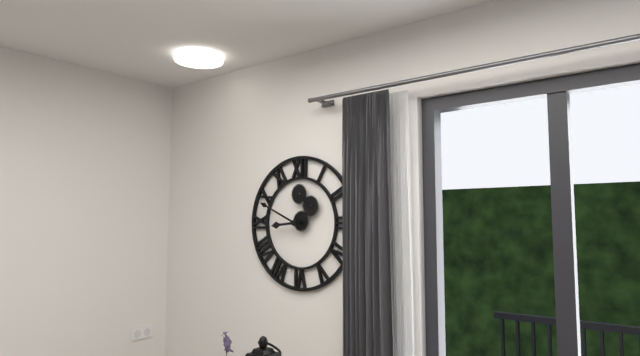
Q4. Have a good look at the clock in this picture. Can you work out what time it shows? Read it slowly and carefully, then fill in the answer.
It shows 8:49
